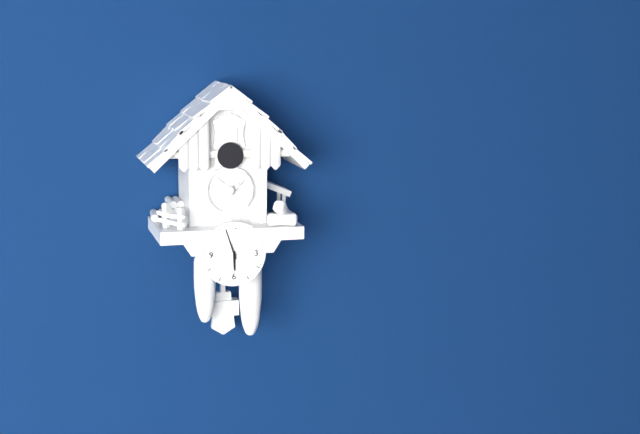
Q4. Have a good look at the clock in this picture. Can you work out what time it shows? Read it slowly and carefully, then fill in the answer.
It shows 5:57
